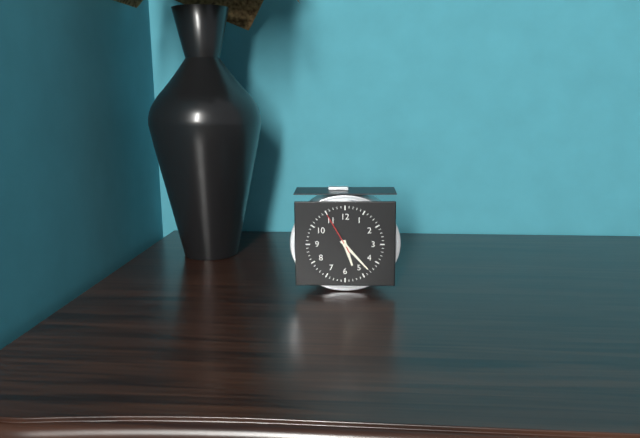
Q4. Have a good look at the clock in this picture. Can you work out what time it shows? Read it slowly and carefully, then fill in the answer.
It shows 5:23
